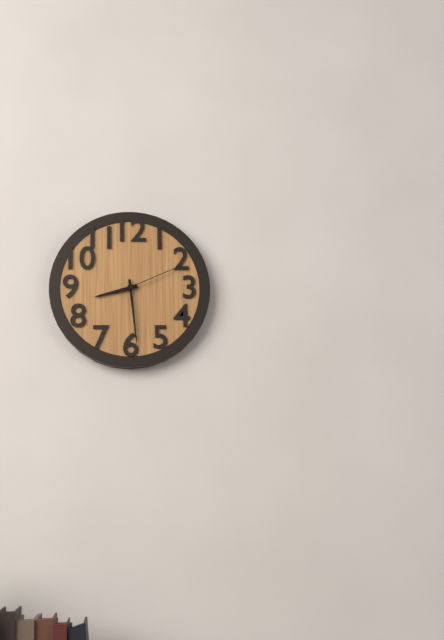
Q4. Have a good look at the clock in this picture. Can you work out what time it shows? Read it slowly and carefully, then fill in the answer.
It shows 8:29:11
